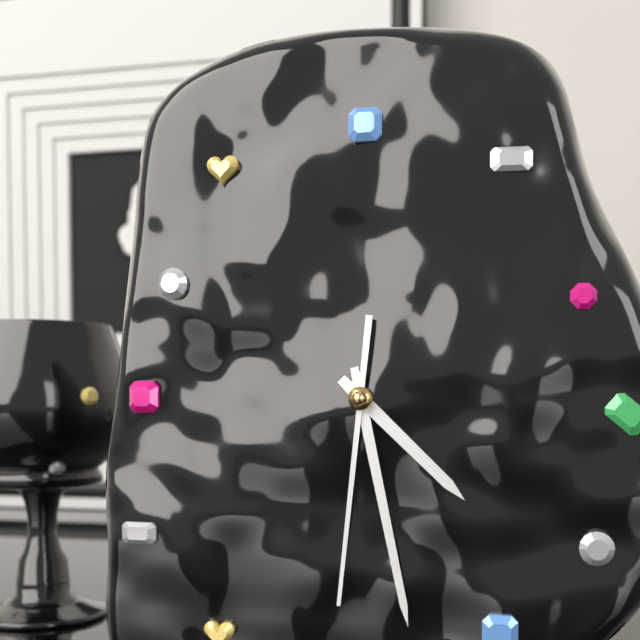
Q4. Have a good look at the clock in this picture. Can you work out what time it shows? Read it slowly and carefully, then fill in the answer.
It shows 4:28:31
